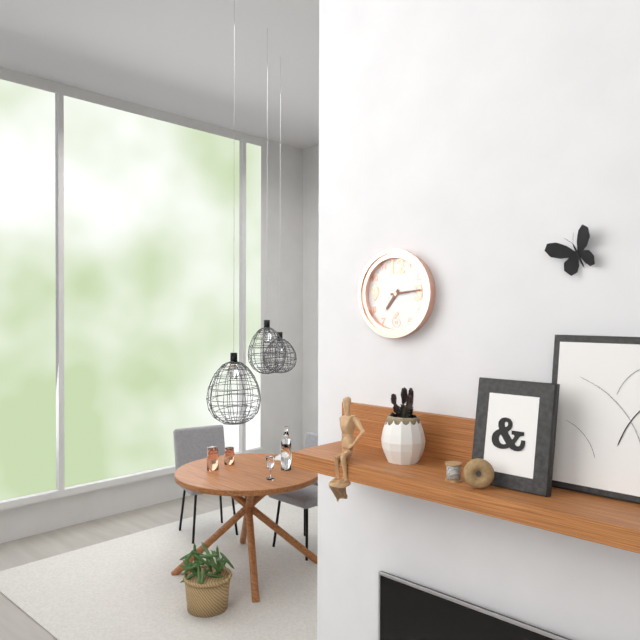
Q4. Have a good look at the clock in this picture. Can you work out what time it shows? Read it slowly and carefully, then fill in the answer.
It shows 7:14
